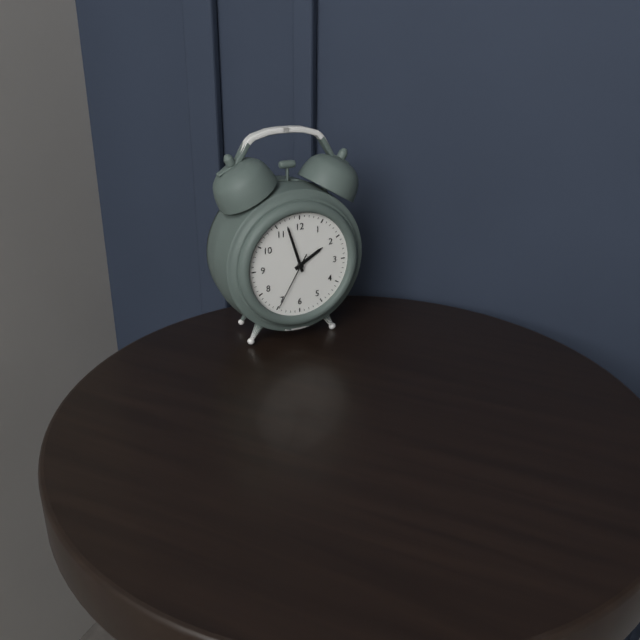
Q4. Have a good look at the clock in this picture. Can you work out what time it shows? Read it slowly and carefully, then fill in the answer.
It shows 1:57:35
